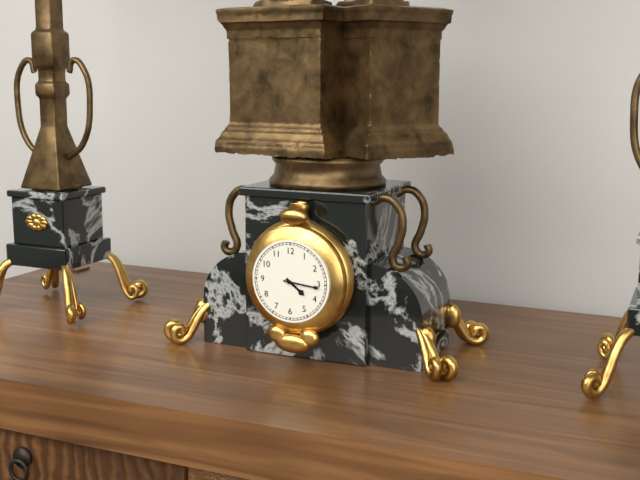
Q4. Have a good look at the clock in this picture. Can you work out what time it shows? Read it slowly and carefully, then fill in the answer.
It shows 4:16
